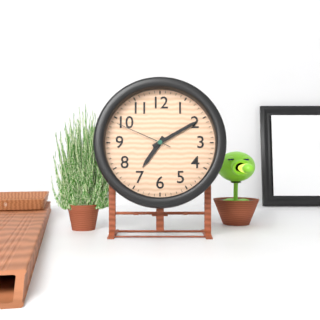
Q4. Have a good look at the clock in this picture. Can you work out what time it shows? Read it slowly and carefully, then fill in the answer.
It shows 7:10:49
